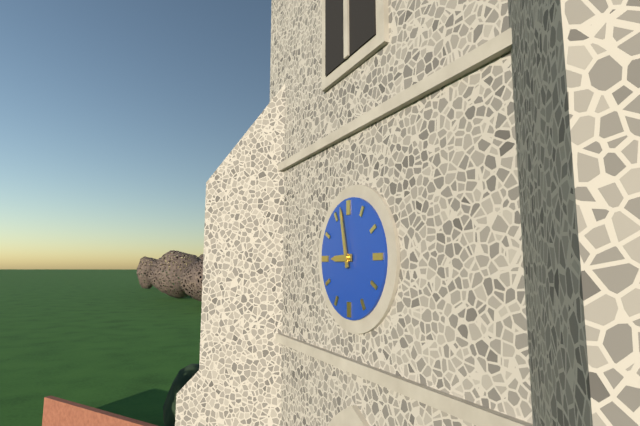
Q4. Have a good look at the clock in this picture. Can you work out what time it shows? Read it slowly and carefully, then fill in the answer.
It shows 8:58
